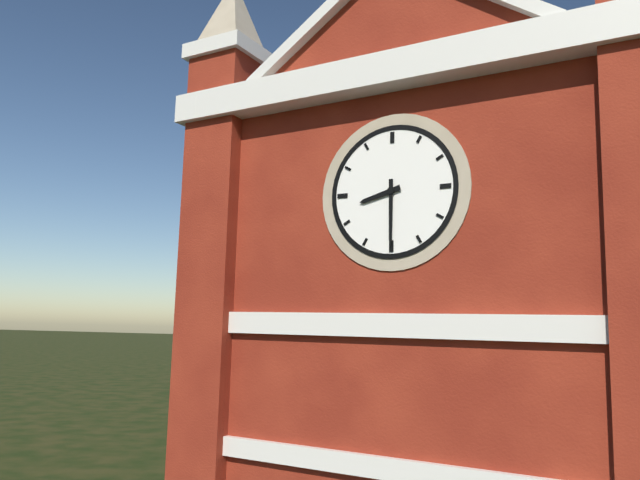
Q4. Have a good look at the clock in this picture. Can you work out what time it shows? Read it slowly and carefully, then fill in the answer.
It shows 8:30
